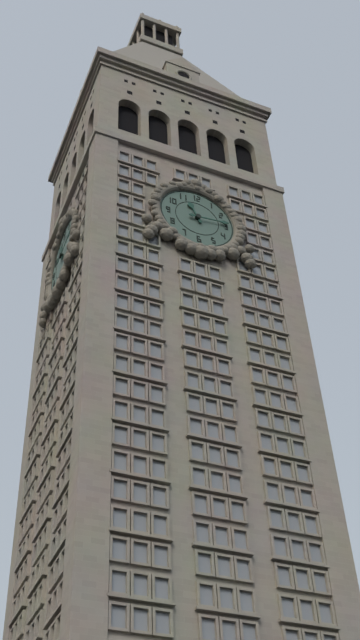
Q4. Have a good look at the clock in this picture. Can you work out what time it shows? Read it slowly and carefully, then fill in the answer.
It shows 11:14
